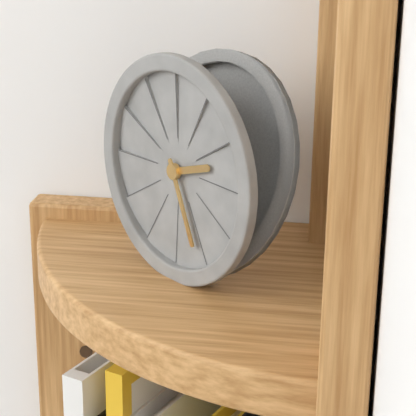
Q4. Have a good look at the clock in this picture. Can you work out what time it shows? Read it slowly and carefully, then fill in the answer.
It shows 2:26
